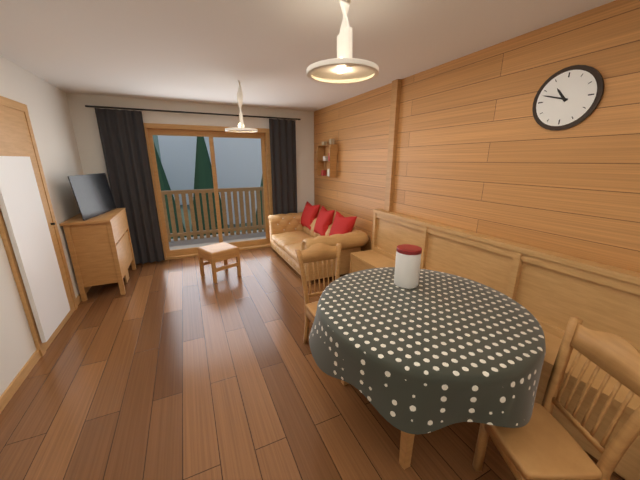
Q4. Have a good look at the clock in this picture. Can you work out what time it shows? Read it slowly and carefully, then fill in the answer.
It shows 10:48
